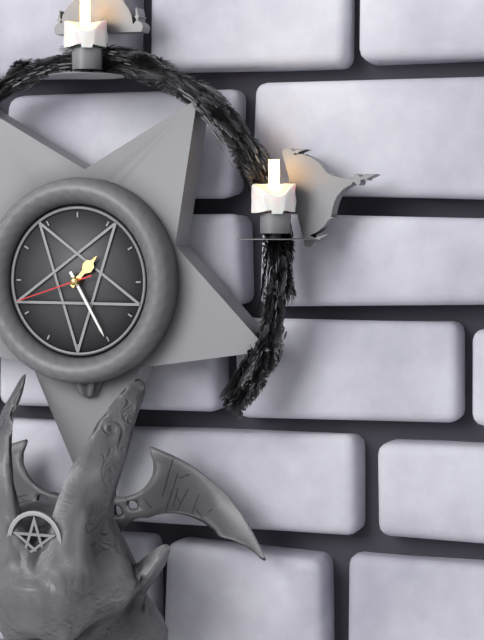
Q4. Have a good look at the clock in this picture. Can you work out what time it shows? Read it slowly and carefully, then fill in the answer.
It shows 1:25:42
